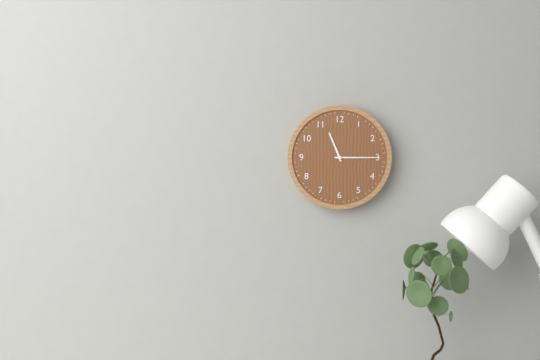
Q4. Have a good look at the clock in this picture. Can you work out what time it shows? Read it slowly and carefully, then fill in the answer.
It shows 11:15
